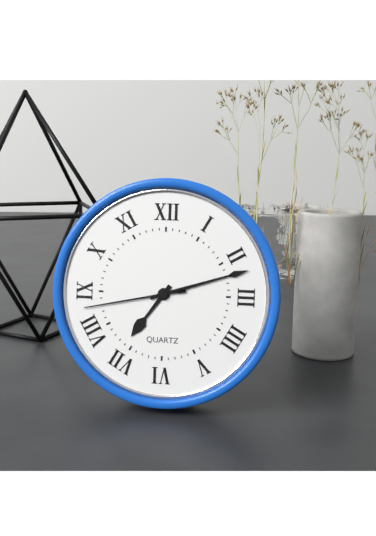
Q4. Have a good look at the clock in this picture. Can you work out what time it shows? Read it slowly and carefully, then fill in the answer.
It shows 7:12:43
